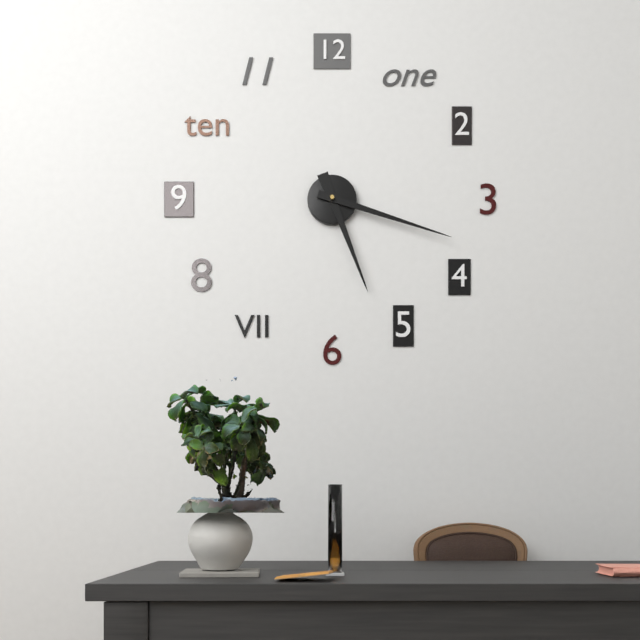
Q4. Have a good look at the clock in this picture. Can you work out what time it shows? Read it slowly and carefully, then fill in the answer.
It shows 5:18
